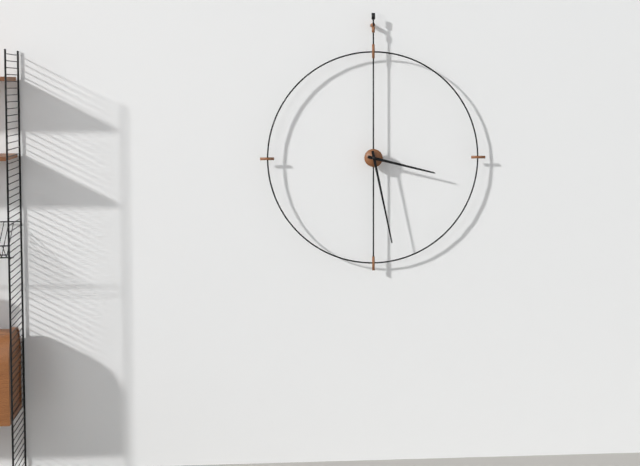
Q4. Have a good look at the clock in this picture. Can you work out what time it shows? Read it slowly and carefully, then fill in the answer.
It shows 3:28
